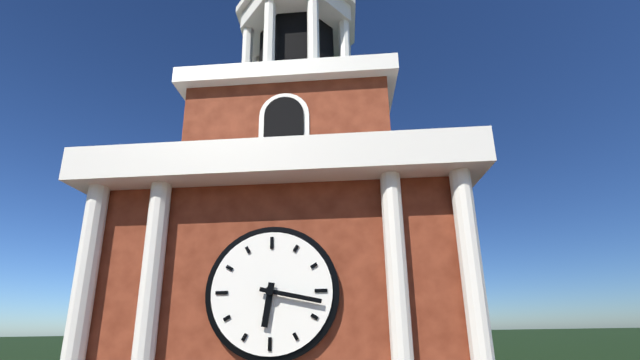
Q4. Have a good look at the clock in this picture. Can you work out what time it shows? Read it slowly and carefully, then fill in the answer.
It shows 6:17
